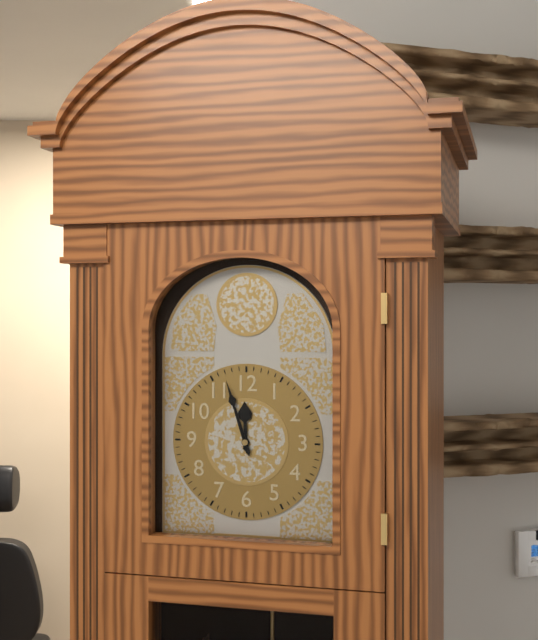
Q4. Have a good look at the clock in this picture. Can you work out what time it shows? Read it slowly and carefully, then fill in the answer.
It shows 11:57
